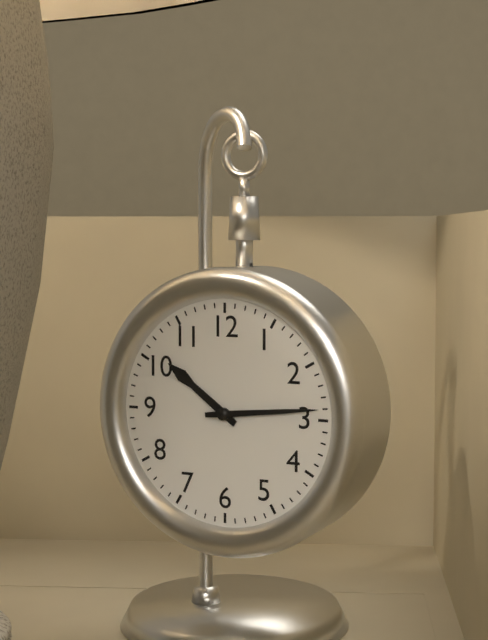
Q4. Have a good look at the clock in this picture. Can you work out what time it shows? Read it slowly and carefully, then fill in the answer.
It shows 10:14
